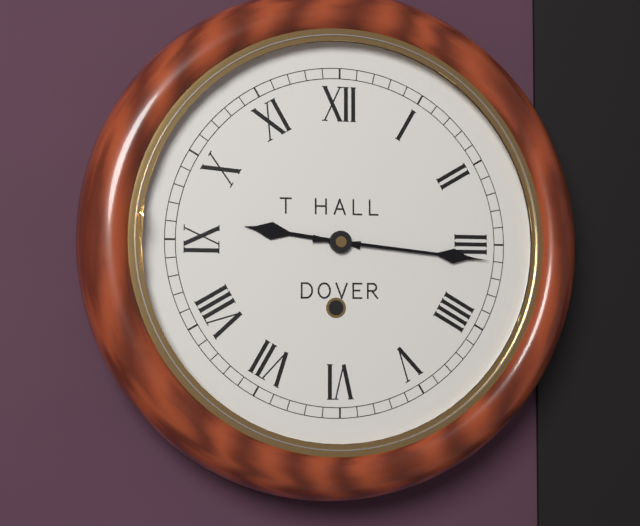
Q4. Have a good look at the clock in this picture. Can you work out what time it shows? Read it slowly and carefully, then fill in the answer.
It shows 9:16
